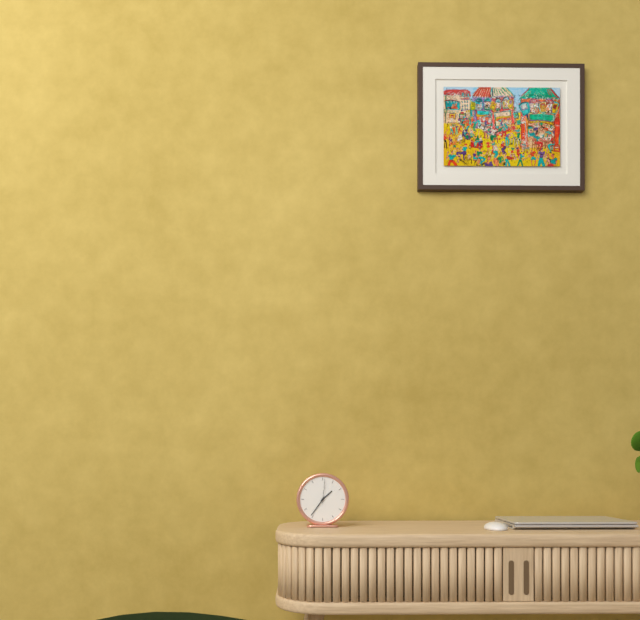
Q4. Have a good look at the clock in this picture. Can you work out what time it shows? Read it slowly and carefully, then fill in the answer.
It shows 1:36
